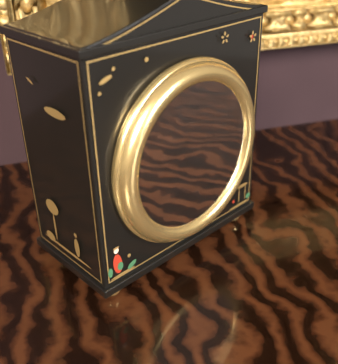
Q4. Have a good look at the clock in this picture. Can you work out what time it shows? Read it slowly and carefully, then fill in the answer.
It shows 6:59
